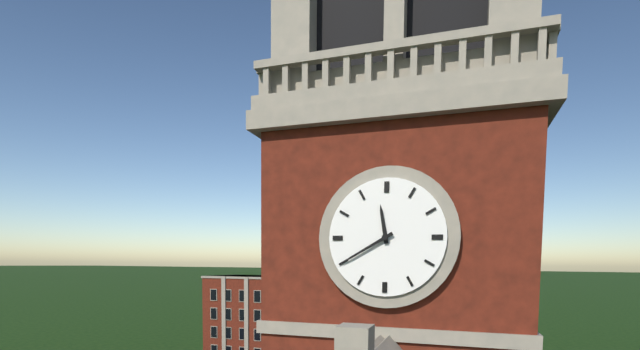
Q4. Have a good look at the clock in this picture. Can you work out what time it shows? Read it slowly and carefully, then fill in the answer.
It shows 11:40
